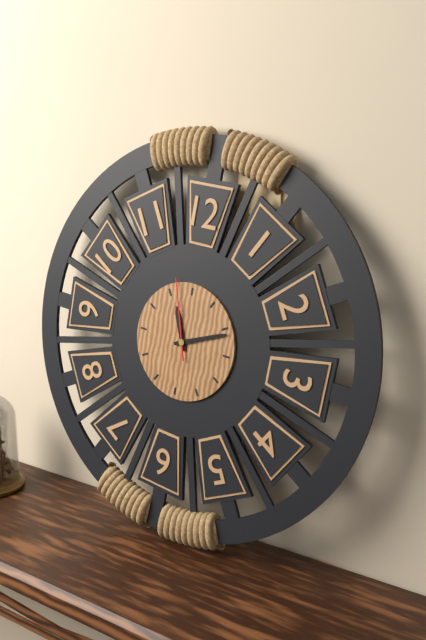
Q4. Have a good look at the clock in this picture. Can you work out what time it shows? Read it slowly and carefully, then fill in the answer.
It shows 11:11:57
